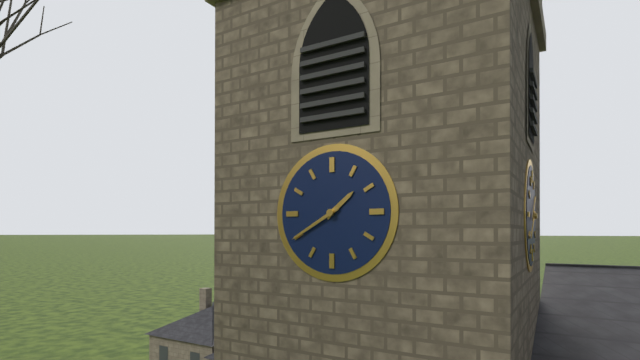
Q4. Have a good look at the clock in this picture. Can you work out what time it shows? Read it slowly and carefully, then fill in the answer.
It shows 1:40
